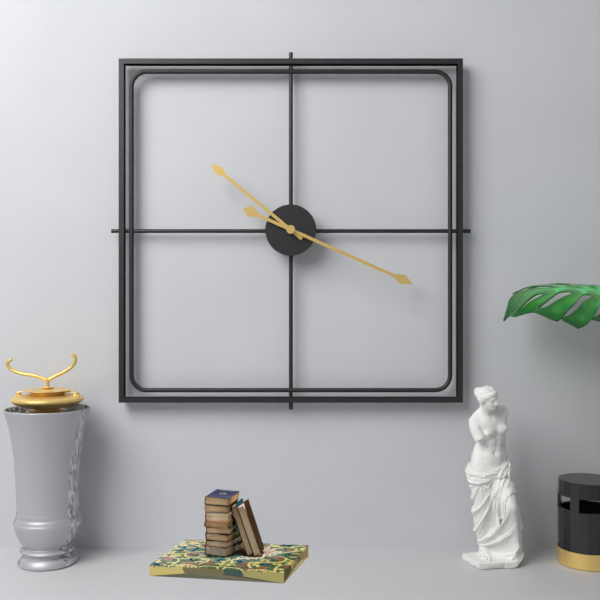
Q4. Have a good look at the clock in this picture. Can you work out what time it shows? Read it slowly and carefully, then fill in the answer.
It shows 10:19
